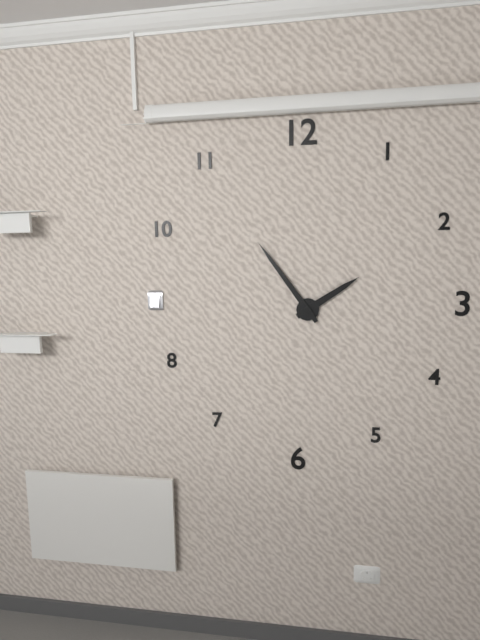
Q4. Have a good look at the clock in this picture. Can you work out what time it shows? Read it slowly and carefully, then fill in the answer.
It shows 1:54
